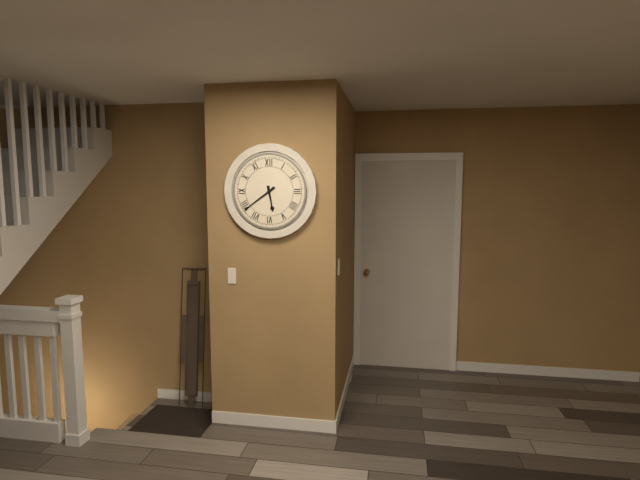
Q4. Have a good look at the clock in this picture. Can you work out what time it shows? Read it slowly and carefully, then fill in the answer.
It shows 5:39
